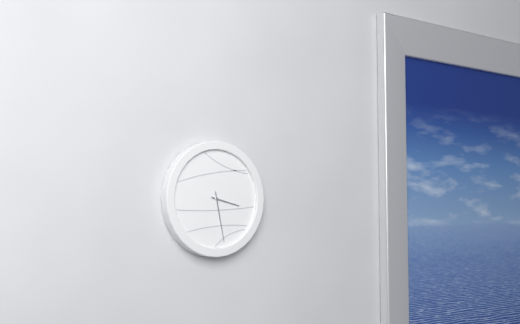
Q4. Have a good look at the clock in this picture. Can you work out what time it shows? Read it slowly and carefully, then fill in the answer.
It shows 3:28
